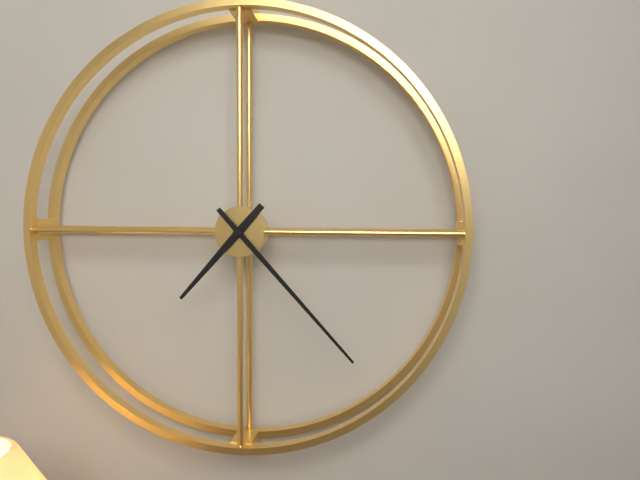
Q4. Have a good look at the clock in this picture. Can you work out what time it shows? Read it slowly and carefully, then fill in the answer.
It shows 7:23
